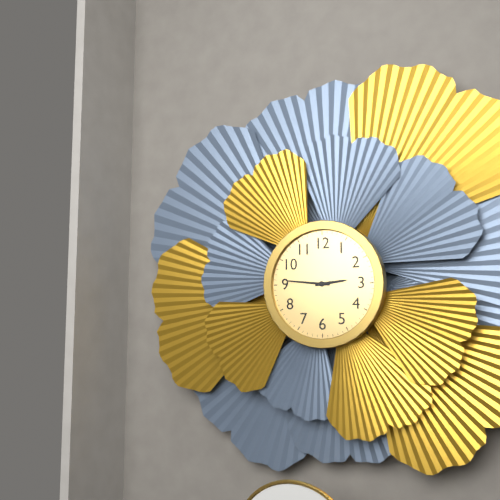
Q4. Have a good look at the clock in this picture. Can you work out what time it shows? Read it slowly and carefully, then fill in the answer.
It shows 2:46
